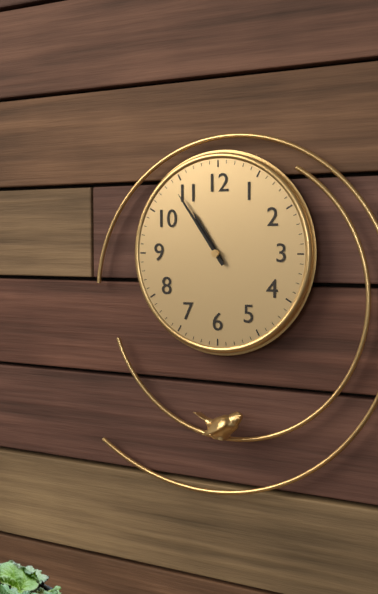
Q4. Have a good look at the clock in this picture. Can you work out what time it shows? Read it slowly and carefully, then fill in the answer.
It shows 10:54
